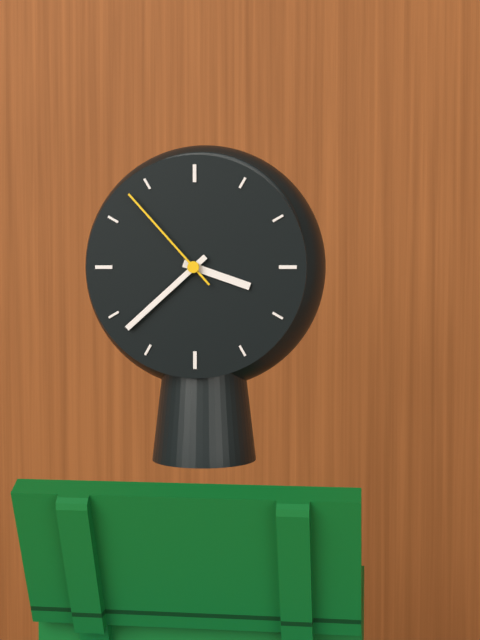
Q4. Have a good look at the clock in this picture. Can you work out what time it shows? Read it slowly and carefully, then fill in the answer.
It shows 3:38:53
